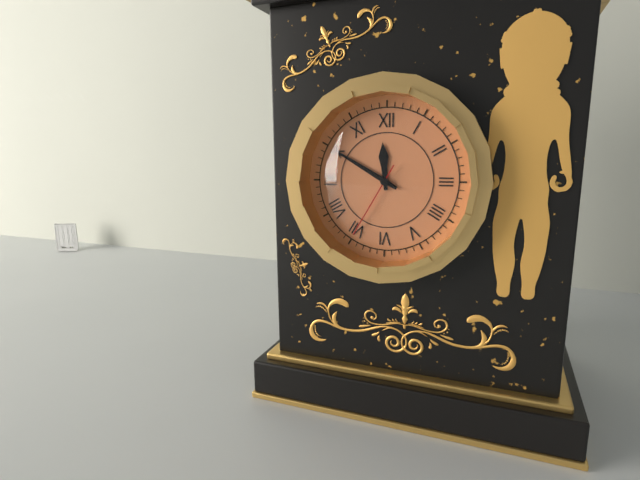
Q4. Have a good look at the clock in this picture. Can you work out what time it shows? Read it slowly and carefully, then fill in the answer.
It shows 11:50:35
